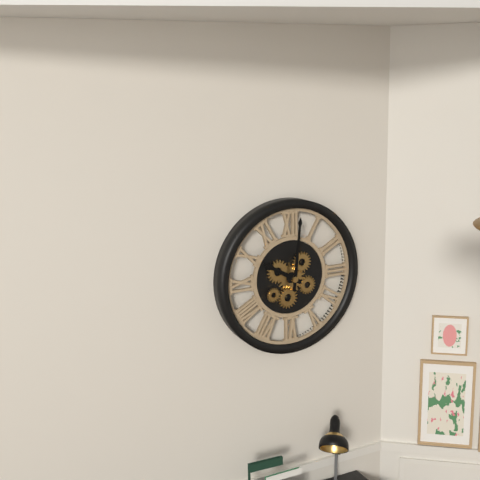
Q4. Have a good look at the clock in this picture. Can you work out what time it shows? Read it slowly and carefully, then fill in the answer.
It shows 10:01
